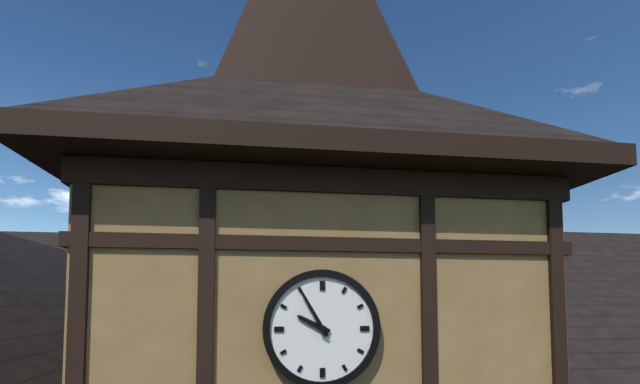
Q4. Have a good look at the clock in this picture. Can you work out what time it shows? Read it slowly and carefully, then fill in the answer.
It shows 9:55
